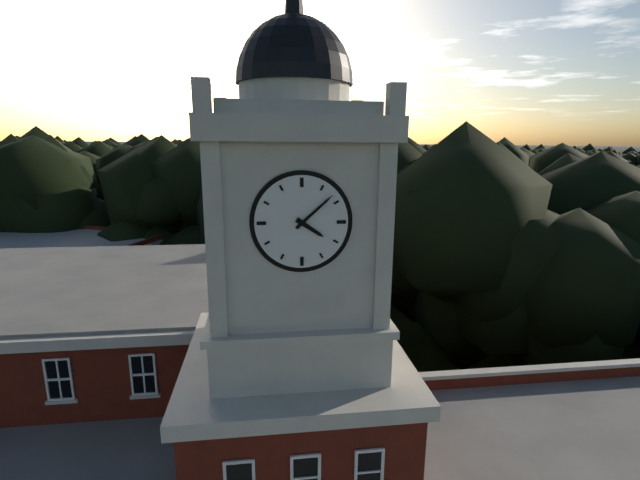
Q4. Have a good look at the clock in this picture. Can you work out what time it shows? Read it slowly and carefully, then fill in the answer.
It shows 4:08
